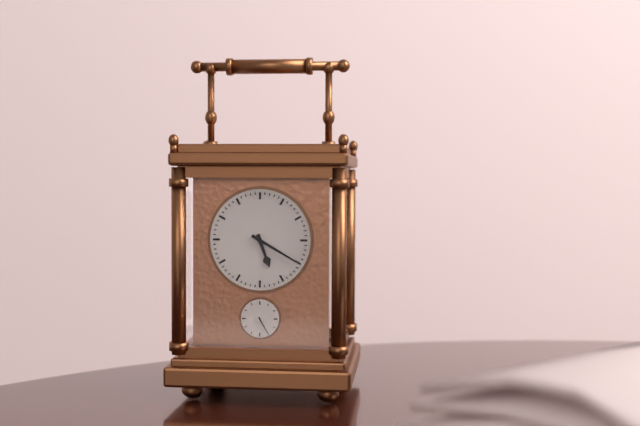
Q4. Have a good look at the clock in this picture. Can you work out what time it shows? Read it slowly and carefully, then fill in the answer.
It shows 5:20
